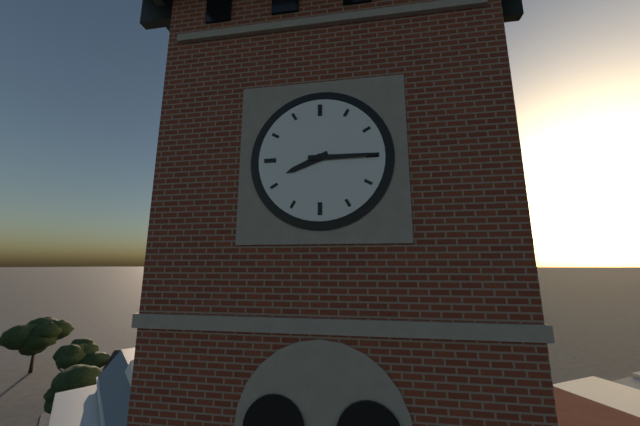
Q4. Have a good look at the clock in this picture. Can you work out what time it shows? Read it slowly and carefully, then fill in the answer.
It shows 8:15
